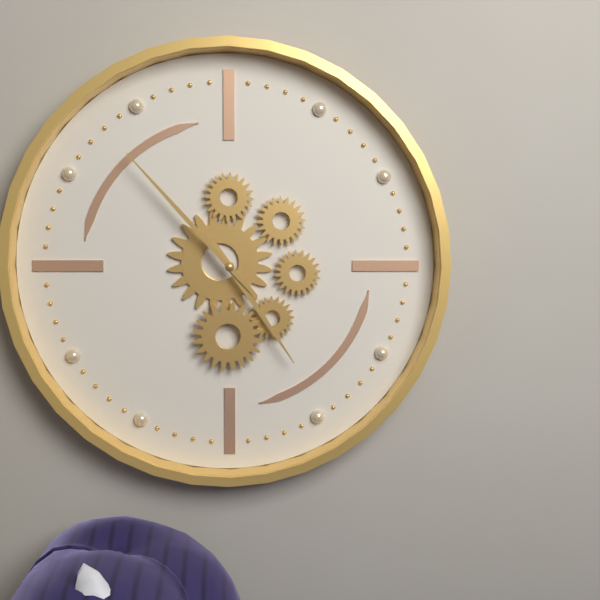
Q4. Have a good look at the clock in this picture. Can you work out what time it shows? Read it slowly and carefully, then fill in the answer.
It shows 4:53
